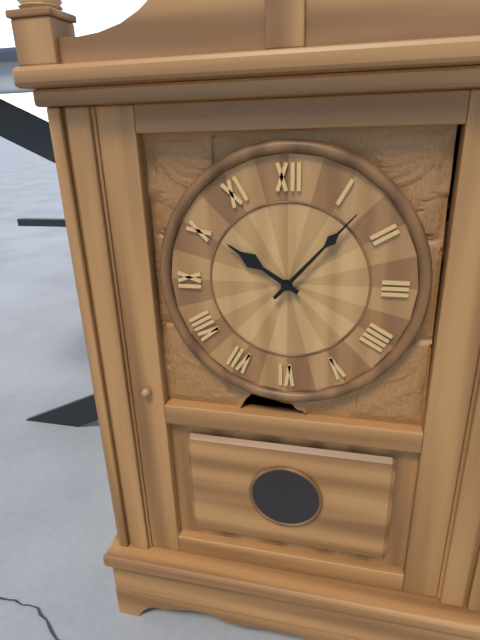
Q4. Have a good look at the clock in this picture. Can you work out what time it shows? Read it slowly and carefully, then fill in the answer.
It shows 10:07
